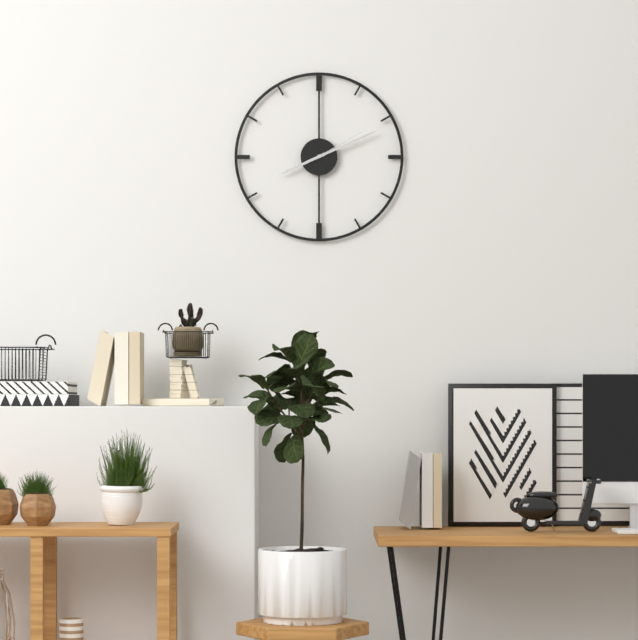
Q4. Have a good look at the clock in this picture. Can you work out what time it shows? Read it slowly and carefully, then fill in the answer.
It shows 8:11:10
